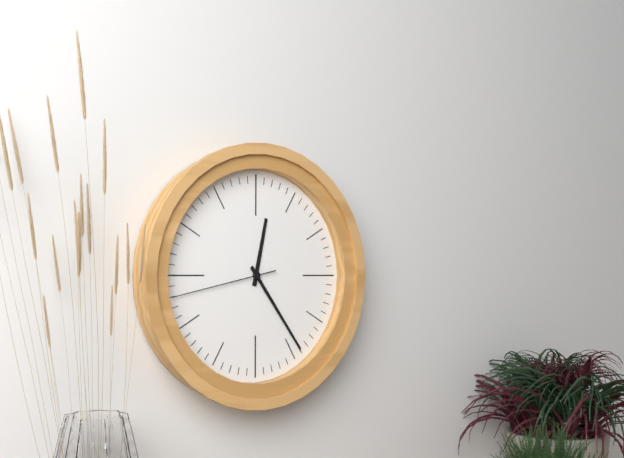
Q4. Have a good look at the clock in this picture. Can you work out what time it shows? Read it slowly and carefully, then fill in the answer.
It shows 12:24:43
